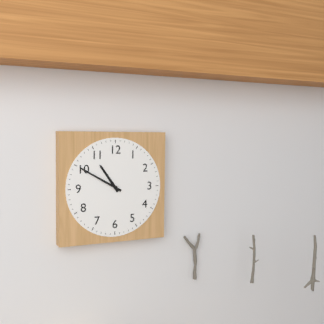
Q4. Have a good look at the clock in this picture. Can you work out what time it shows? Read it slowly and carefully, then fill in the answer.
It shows 10:50
